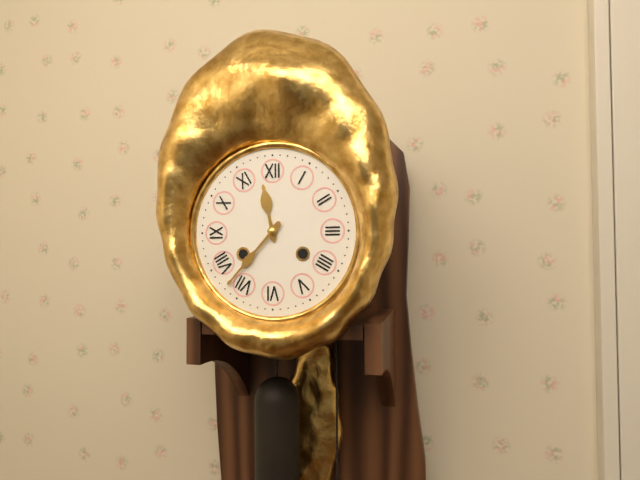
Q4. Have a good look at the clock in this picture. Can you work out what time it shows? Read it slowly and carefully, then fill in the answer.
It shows 11:37
